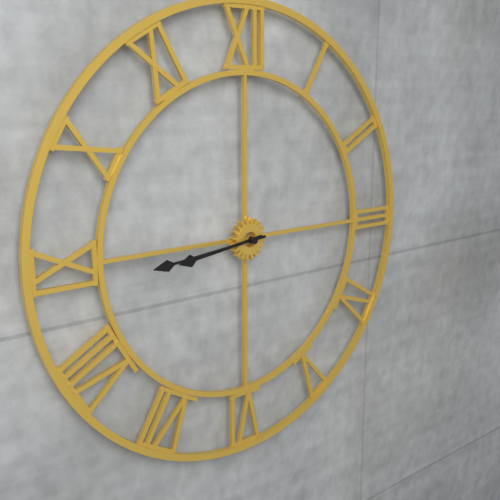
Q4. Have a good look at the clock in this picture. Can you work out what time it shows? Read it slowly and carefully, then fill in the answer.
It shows 8:44
